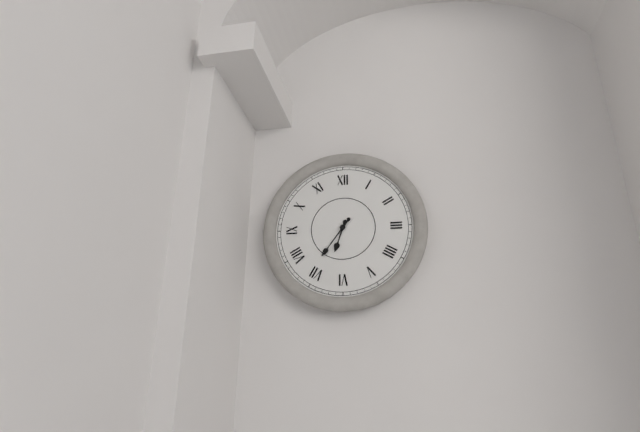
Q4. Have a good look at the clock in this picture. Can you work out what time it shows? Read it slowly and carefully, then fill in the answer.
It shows 6:36
